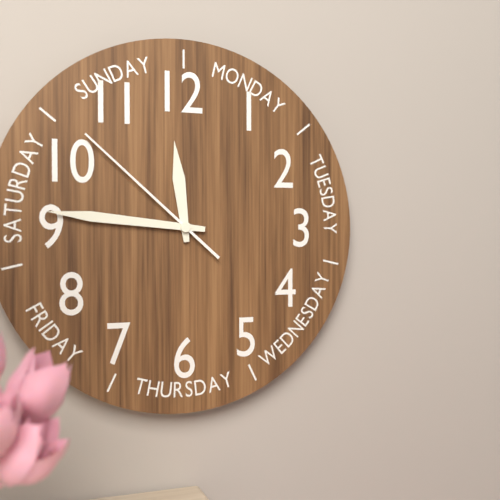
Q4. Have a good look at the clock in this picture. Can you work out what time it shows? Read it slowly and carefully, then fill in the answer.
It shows 11:46:52
